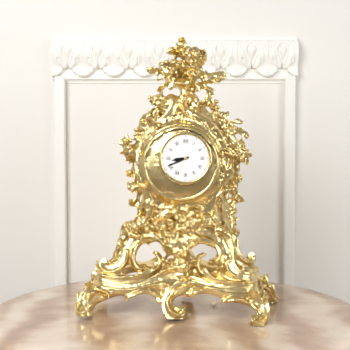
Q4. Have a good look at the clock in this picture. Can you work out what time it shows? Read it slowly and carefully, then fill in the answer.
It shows 8:41
